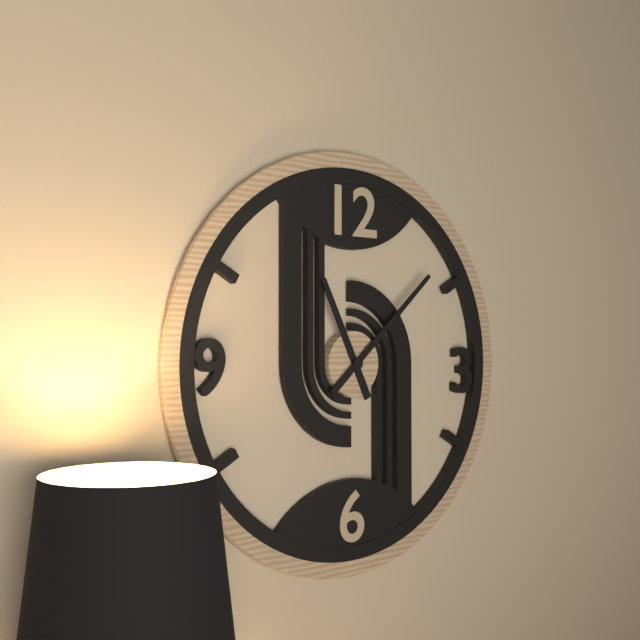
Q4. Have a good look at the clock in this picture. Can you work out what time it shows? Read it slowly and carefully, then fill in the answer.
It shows 11:08
